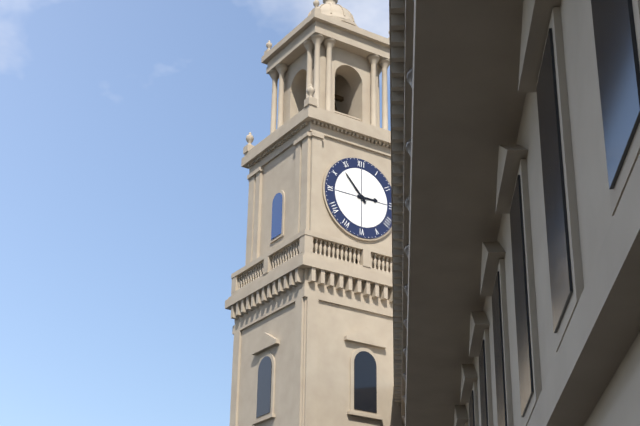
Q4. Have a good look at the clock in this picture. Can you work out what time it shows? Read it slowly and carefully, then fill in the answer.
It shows 2:53
